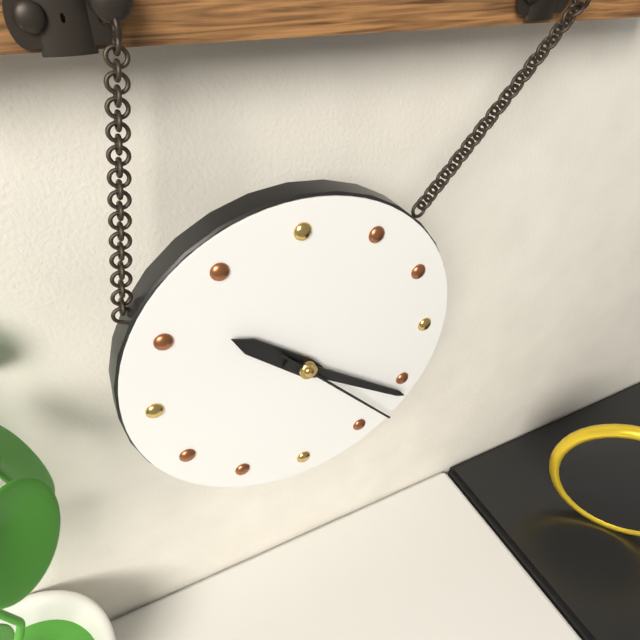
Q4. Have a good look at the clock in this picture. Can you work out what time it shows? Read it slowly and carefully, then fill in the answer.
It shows 10:21:23
